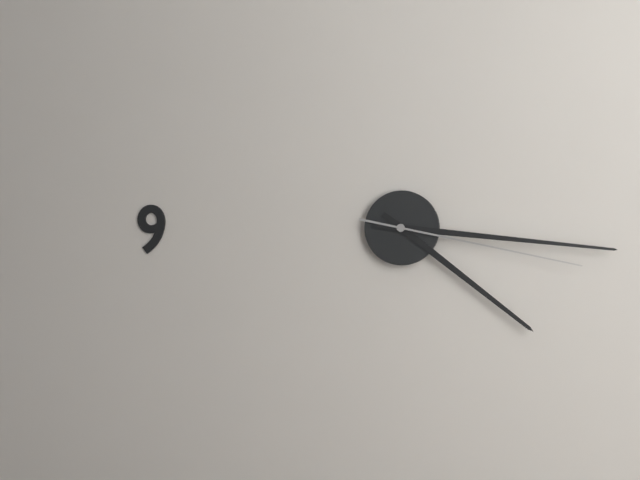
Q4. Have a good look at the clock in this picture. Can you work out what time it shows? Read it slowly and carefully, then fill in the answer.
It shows 4:16:17
